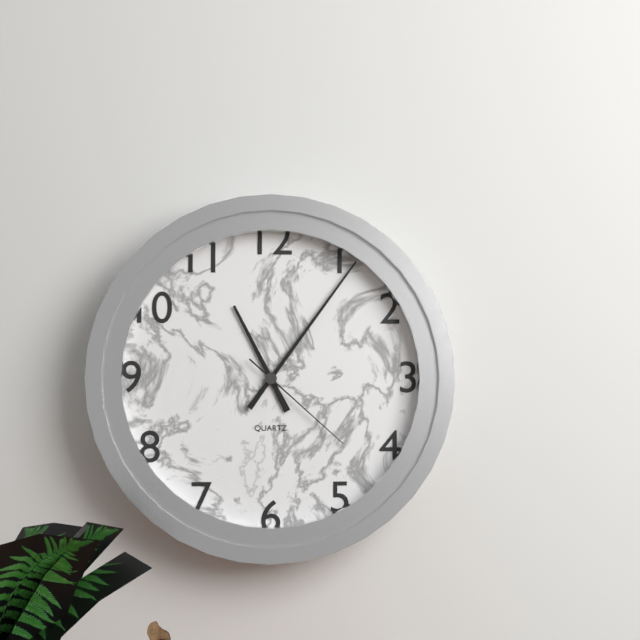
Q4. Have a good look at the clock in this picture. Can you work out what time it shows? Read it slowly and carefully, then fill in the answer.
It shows 11:06:22
